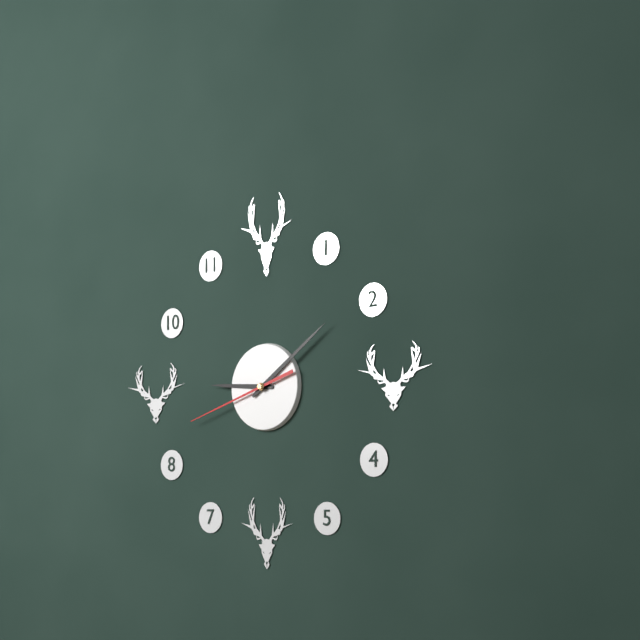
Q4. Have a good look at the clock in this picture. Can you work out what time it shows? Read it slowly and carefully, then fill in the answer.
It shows 9:09:42
